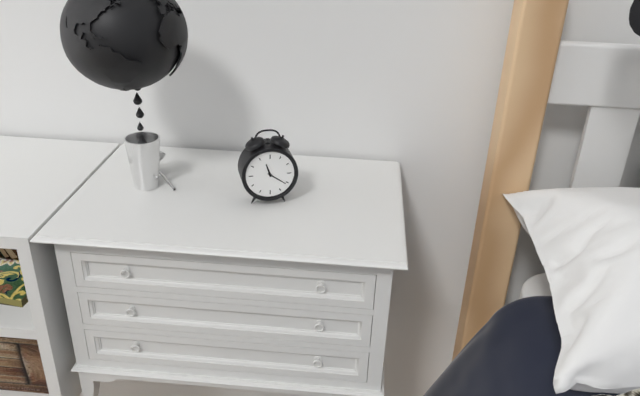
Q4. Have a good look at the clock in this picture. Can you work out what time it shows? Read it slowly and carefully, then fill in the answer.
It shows 11:21
